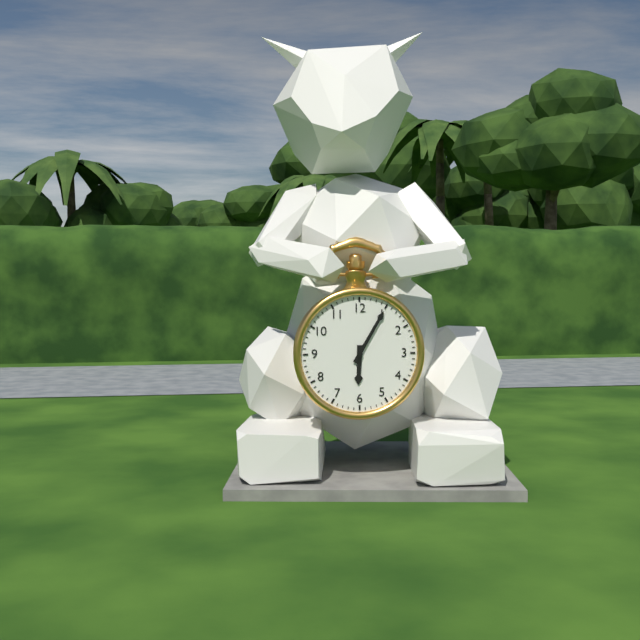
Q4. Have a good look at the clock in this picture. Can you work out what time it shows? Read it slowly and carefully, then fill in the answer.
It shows 6:05
